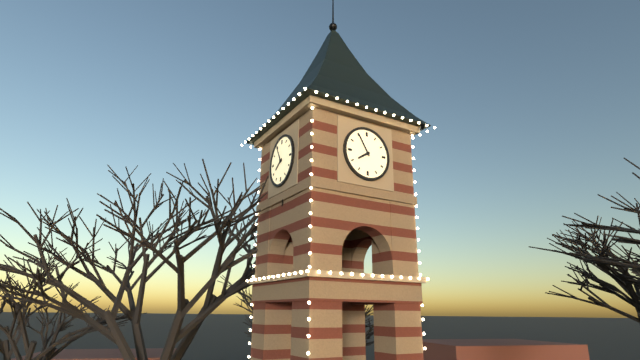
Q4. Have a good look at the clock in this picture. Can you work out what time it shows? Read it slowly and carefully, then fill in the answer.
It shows 7:55
